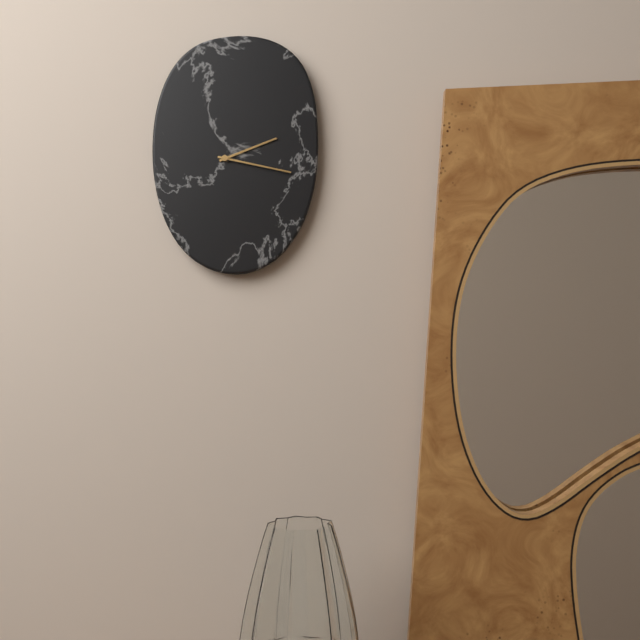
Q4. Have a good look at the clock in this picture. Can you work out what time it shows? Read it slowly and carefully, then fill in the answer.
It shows 2:17
